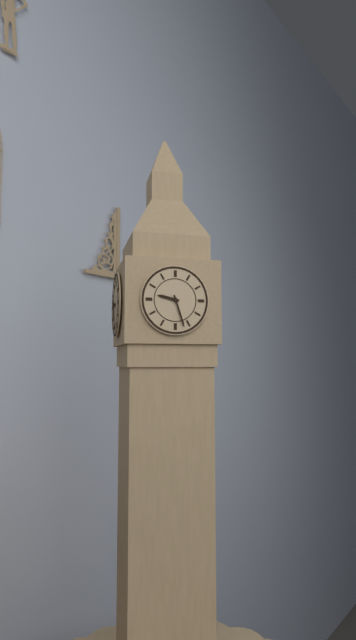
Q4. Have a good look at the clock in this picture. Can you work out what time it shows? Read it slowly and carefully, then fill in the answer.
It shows 9:27
